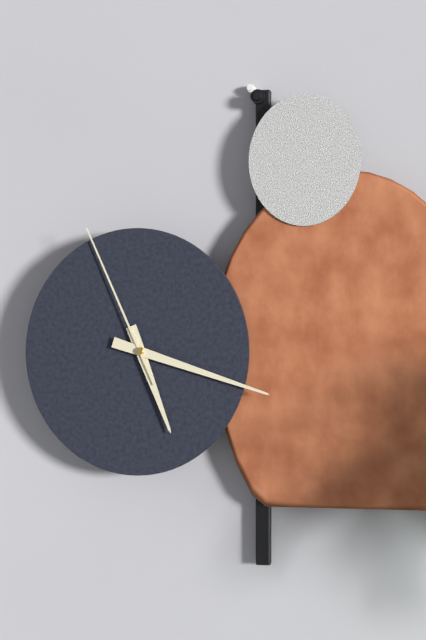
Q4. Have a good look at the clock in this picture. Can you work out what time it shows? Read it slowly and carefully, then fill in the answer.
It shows 5:18:56
